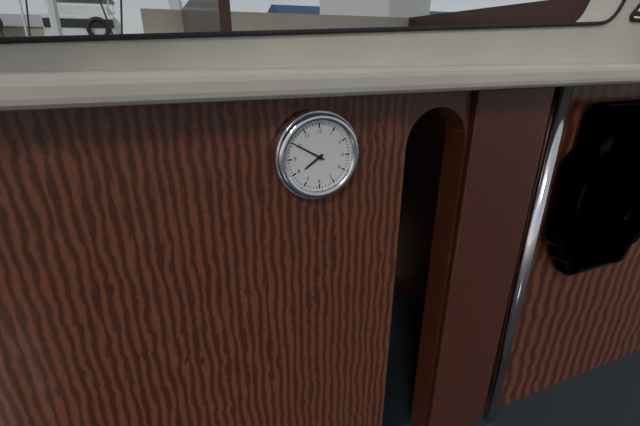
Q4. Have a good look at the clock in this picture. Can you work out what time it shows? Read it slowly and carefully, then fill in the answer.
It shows 7:50
